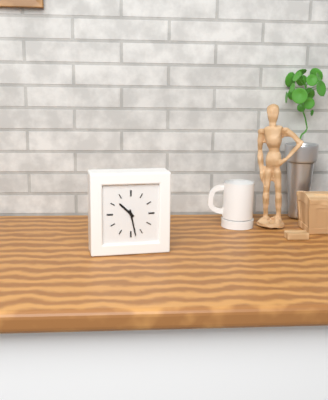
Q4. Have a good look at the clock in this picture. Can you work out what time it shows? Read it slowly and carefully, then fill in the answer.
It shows 10:28
